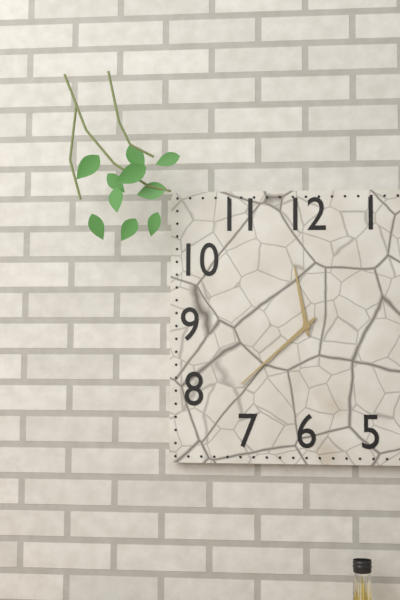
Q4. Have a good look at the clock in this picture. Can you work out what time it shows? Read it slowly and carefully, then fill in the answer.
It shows 11:38
